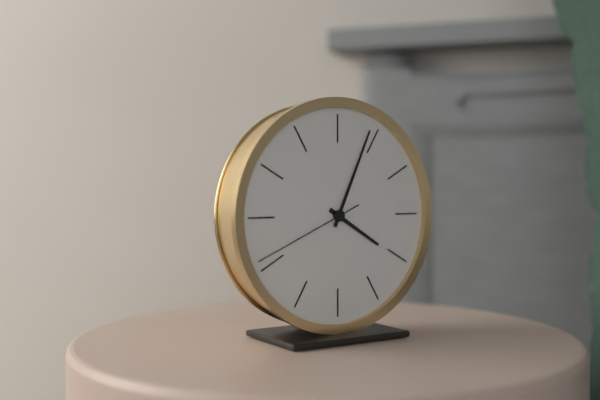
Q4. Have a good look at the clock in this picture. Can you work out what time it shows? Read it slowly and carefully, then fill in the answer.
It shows 4:04:41
